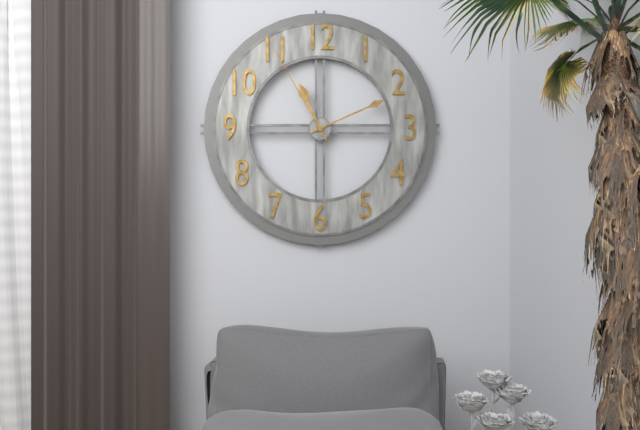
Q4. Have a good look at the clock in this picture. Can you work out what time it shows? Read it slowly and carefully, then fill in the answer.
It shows 11:11:55
